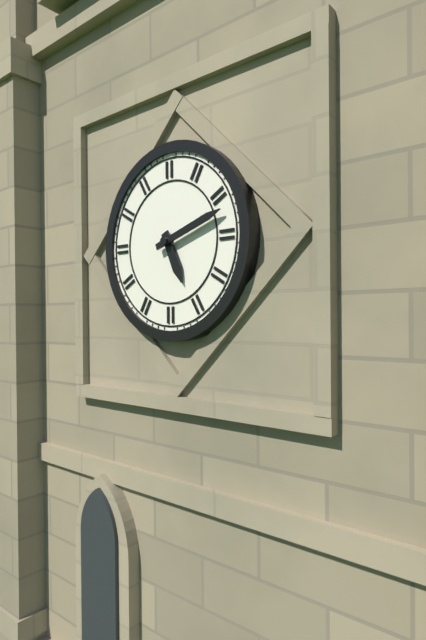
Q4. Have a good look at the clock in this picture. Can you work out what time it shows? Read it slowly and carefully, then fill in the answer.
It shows 5:12
